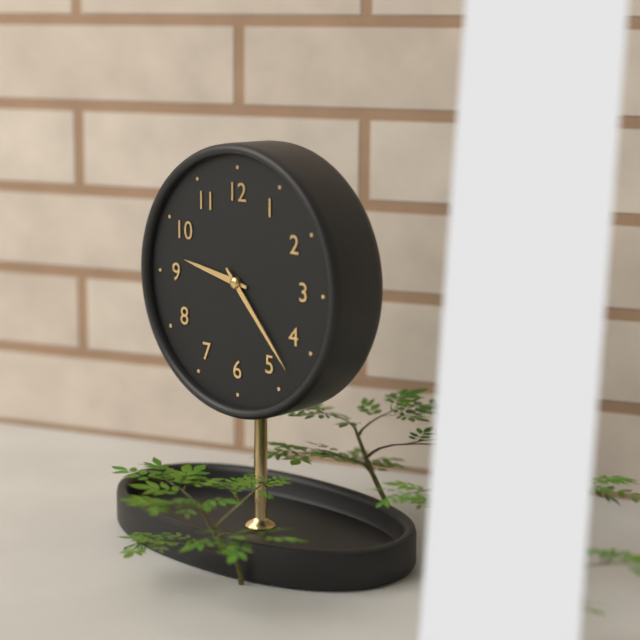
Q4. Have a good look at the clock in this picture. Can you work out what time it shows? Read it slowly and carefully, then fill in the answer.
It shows 9:23
